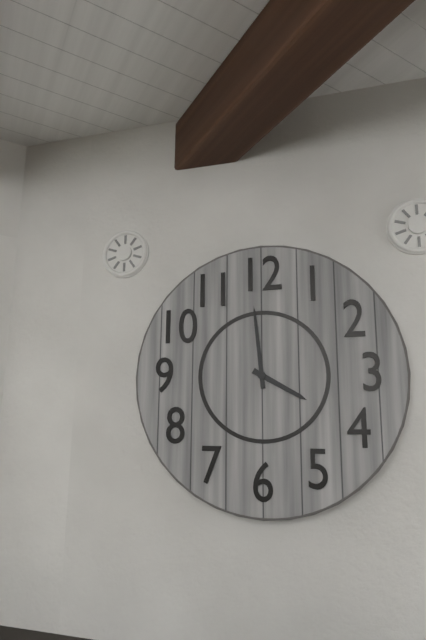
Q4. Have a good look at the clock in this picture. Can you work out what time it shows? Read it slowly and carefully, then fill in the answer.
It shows 3:59
